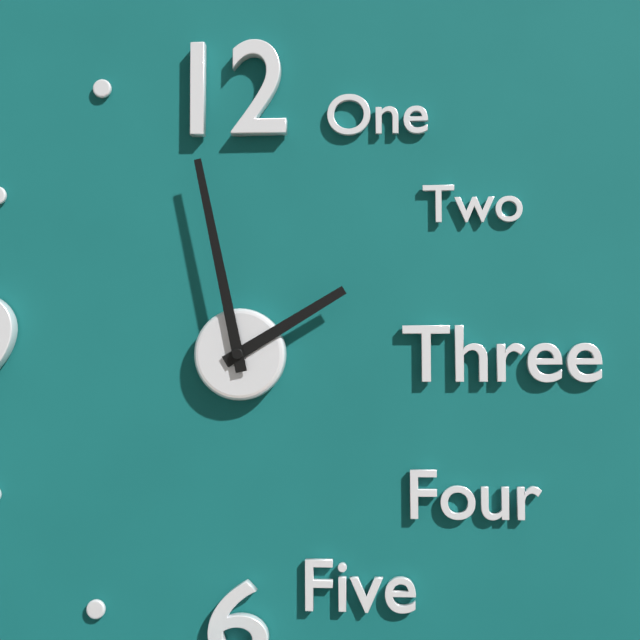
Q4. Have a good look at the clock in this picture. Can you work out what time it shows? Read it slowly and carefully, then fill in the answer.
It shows 1:58
